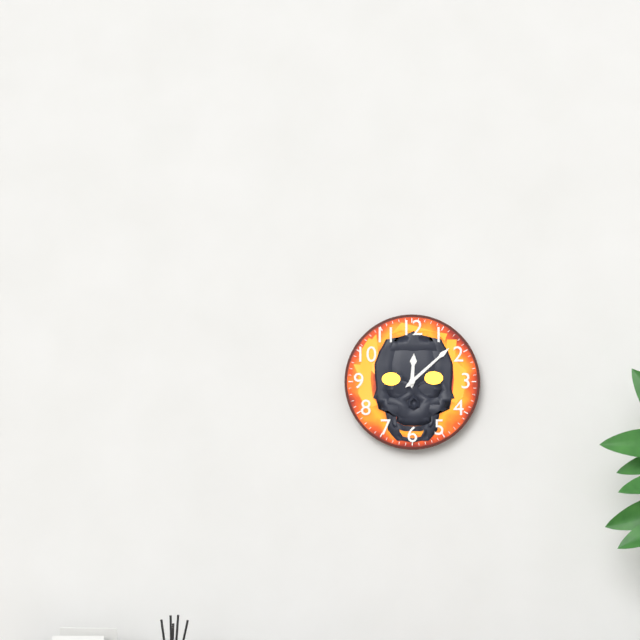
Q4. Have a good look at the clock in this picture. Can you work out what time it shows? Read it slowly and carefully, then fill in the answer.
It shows 12:08
